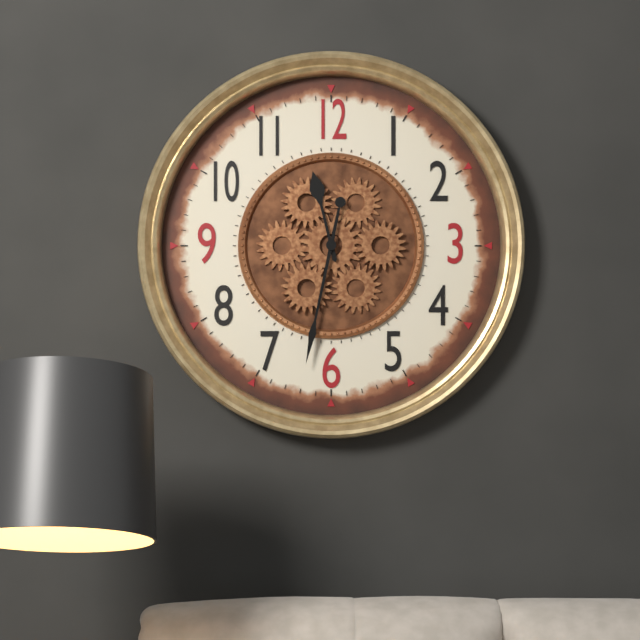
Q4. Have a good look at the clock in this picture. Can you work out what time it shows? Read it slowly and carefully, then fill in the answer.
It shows 11:32
